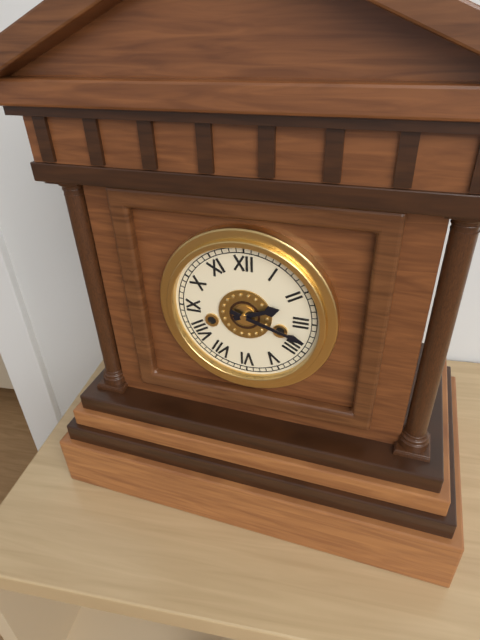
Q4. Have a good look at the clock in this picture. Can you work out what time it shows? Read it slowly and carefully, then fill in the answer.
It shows 2:18
